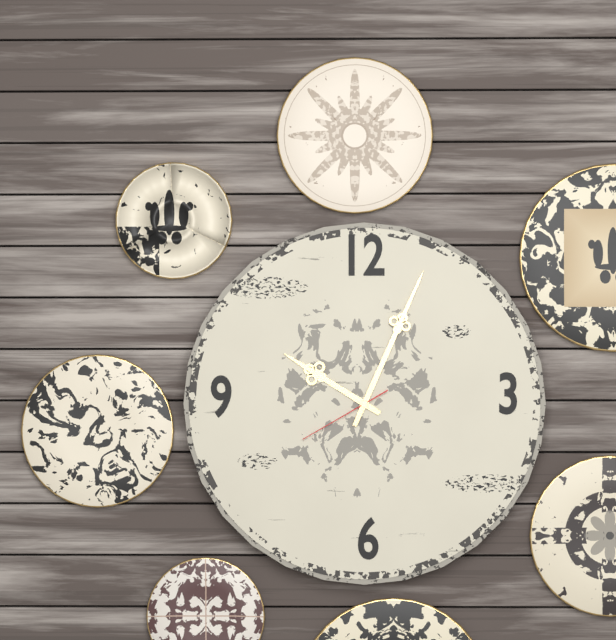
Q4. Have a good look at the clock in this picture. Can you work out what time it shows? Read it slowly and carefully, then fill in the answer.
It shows 10:04:40
